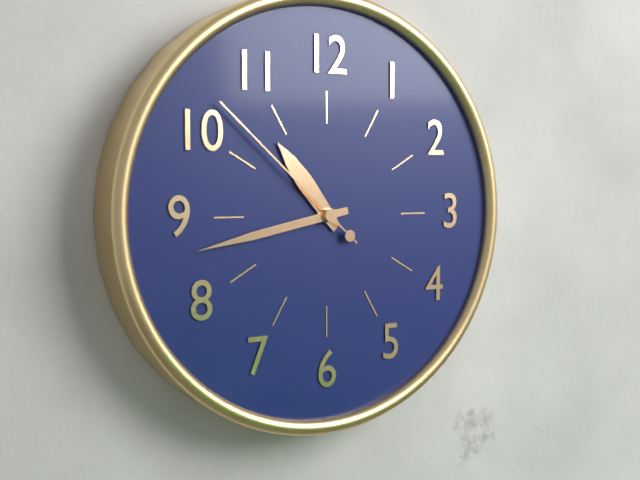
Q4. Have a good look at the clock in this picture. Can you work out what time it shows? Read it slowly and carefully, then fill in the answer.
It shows 10:43:52
